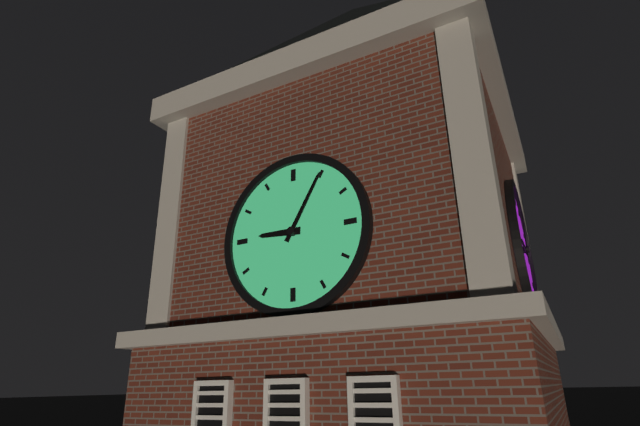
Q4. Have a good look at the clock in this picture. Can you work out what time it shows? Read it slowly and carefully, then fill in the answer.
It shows 9:05
